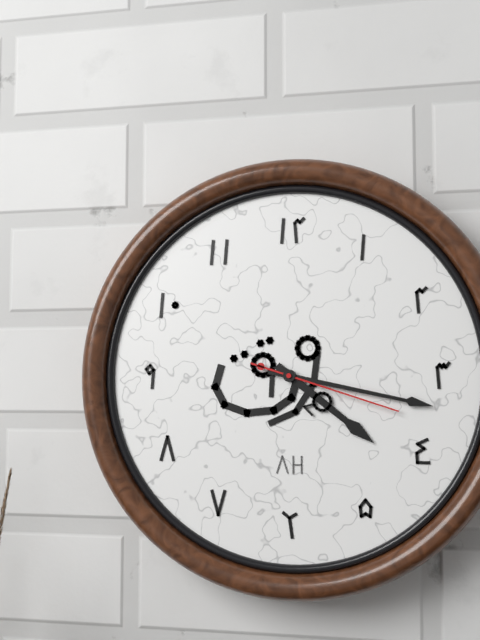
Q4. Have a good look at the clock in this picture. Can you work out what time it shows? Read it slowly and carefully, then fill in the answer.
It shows 4:17:18
